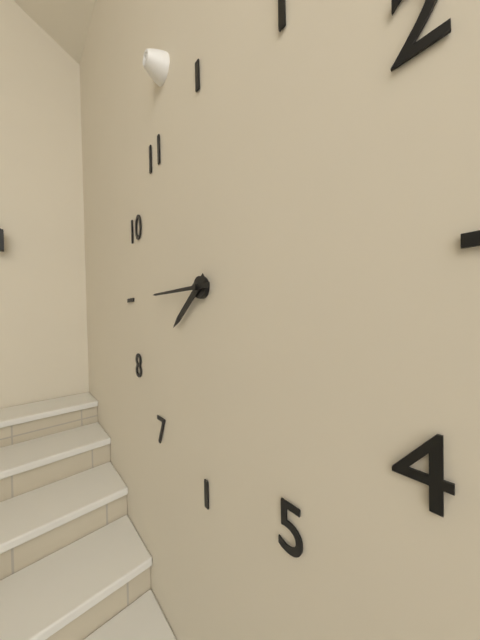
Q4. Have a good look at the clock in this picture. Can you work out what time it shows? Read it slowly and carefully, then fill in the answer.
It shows 7:45
